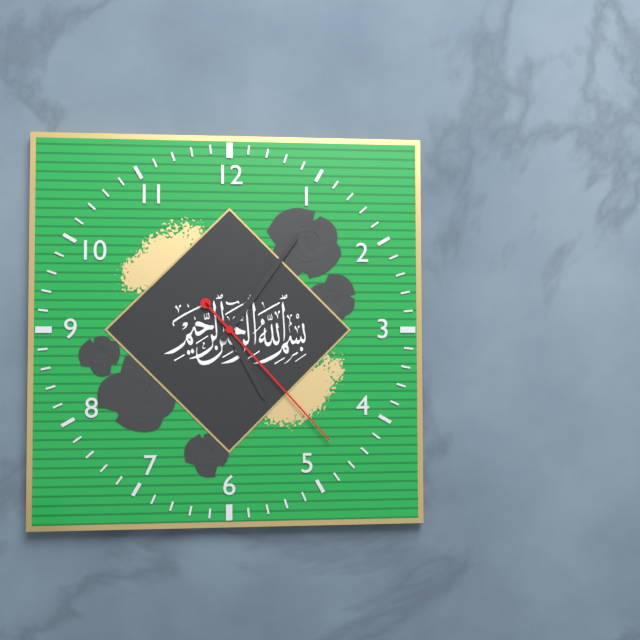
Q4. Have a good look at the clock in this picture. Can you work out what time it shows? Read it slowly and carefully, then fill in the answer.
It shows 5:06:23
